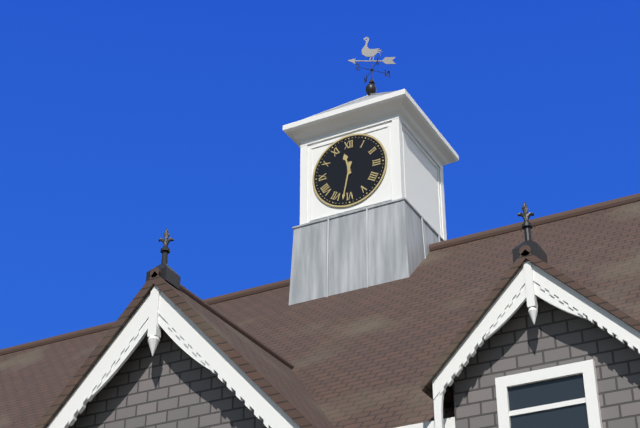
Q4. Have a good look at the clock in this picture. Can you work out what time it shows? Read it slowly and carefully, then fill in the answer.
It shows 11:32
